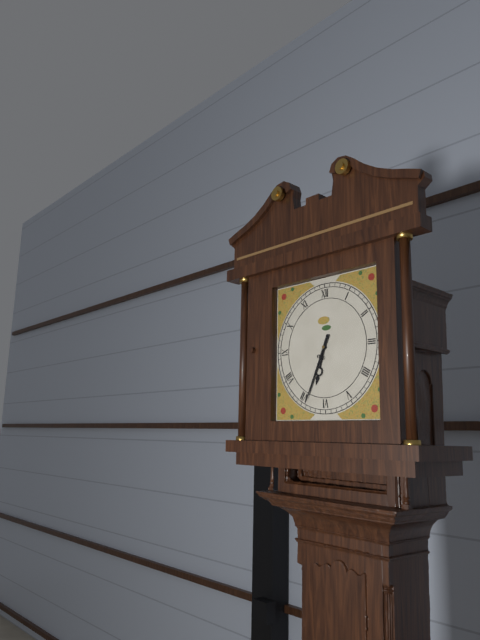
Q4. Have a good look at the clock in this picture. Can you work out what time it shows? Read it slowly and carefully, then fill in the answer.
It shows 6:34
